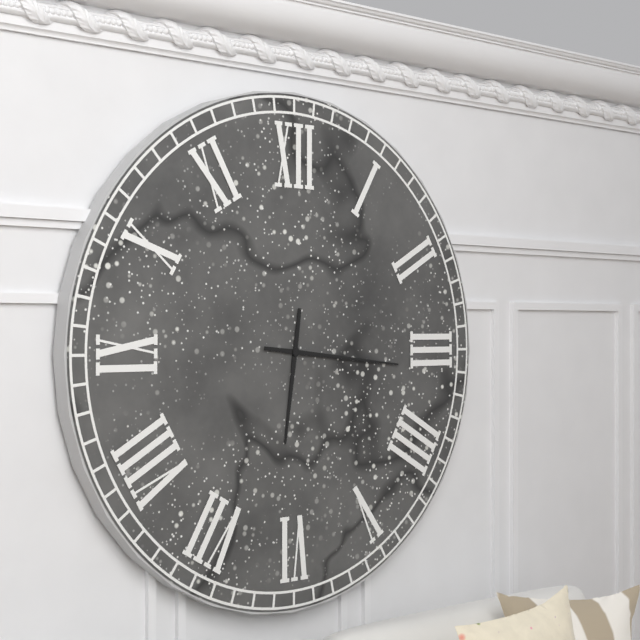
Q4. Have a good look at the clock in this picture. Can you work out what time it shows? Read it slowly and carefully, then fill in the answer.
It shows 6:16
